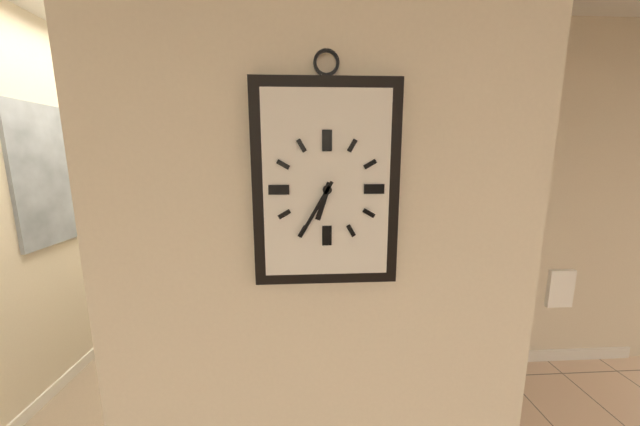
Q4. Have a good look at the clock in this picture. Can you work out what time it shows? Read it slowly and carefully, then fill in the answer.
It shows 6:35
